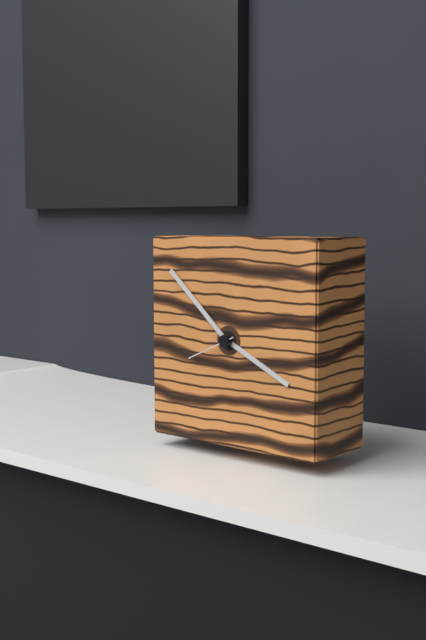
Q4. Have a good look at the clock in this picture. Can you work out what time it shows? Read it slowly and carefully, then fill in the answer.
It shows 3:52:41
